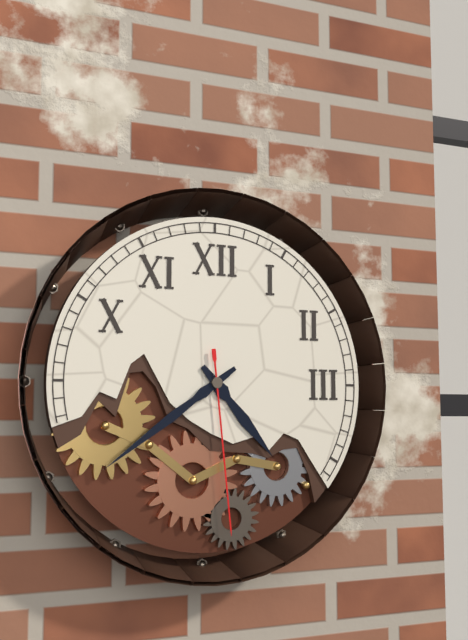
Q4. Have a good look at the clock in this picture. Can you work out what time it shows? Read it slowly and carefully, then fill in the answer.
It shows 4:39:29
